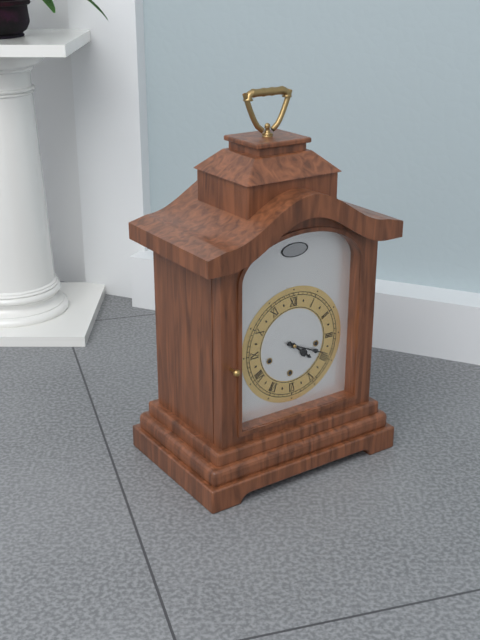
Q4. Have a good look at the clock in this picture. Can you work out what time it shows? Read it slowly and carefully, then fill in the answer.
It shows 4:19
